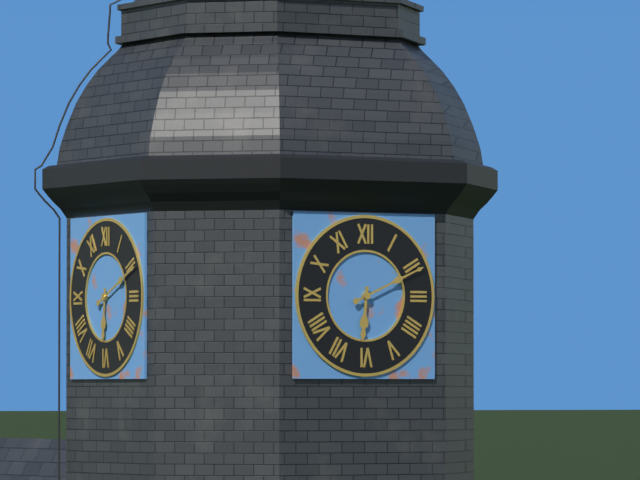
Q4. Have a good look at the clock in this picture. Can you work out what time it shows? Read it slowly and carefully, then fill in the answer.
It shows 6:11
